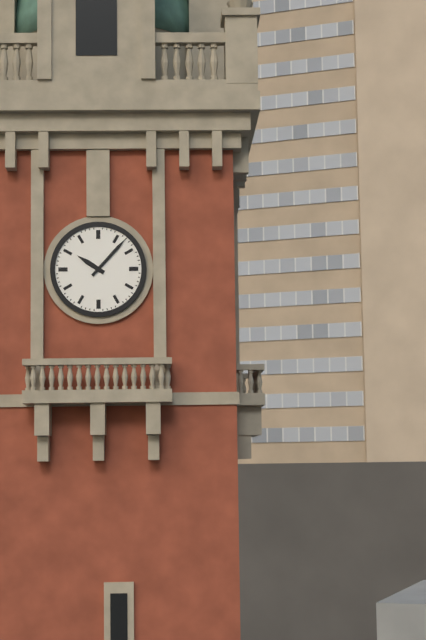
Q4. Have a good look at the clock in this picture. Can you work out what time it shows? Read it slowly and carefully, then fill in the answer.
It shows 10:07
